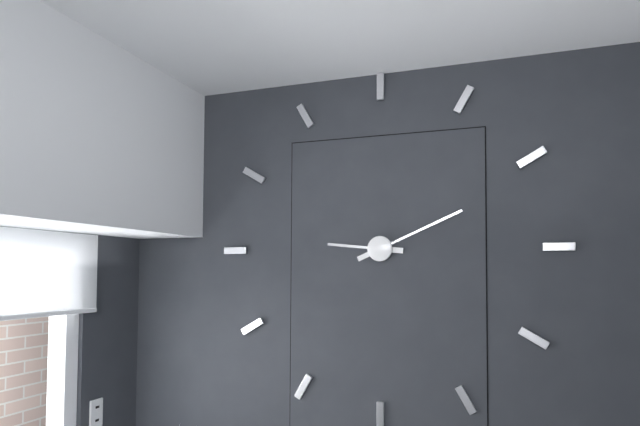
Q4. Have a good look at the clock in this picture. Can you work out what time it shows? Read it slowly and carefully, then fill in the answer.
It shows 9:11
